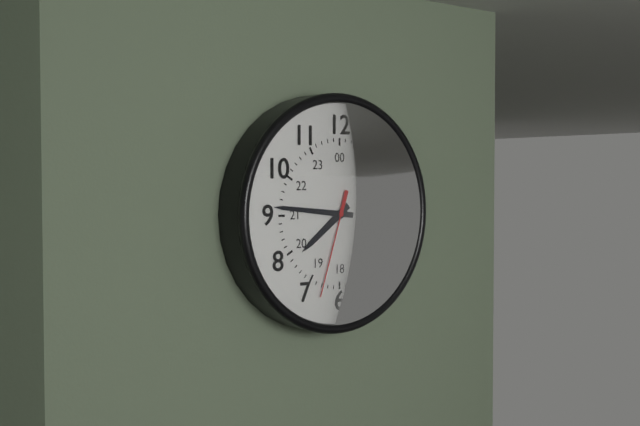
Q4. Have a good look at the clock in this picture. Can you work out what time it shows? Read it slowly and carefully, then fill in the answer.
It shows 7:46:33
